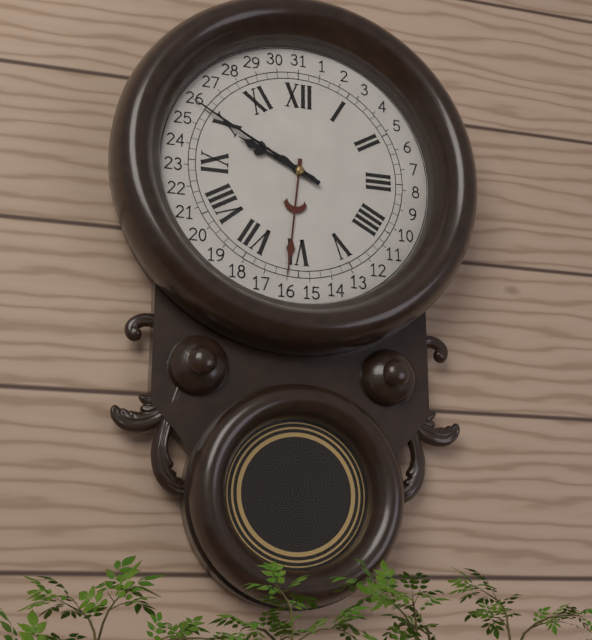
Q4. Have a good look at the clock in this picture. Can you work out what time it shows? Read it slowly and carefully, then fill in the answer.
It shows 9:50
